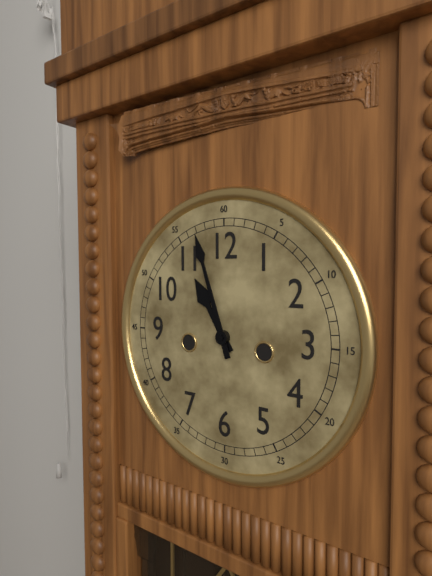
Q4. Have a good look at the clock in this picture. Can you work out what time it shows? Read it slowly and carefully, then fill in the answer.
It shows 10:57
